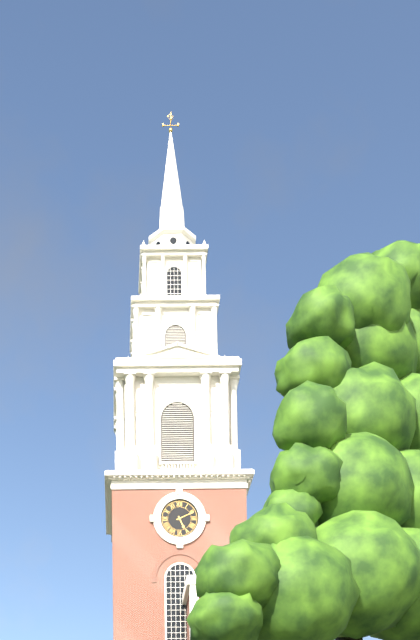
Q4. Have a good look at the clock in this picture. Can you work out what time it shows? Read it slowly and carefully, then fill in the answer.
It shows 5:11
